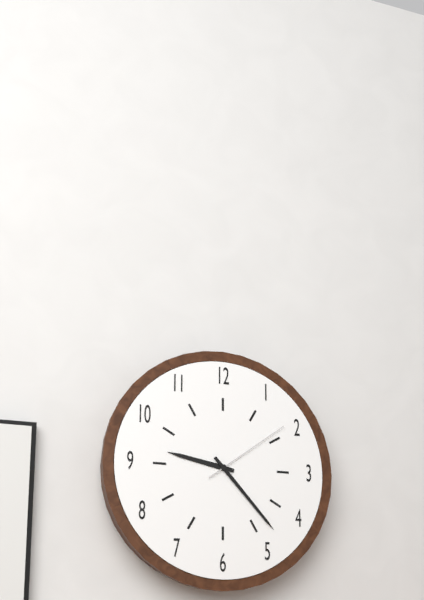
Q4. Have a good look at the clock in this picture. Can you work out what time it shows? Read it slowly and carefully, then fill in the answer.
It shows 9:23:09
